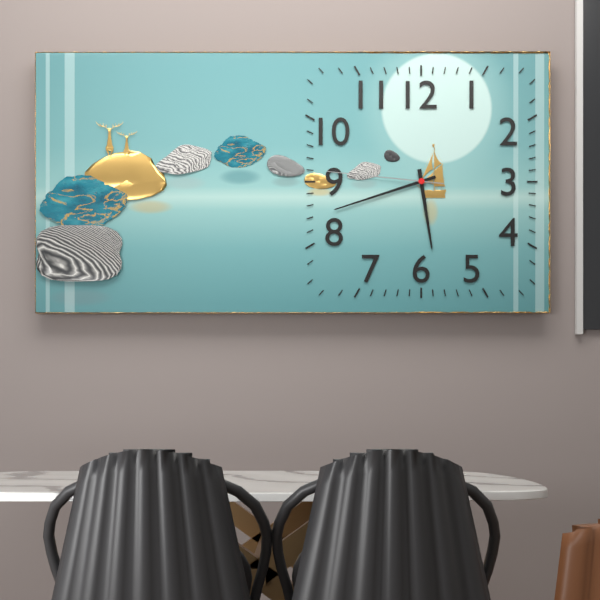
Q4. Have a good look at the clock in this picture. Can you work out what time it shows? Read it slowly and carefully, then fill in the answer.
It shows 5:42:46
